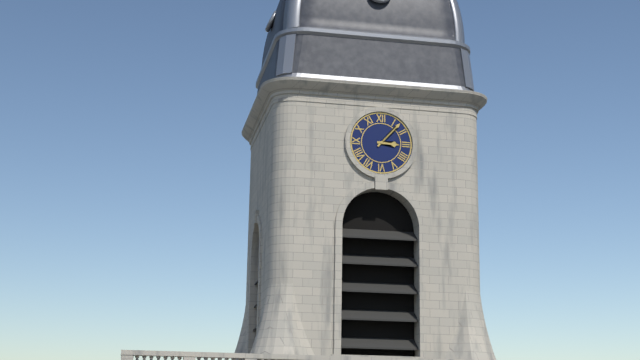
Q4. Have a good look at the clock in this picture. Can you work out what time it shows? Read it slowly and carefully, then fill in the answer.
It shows 3:07
